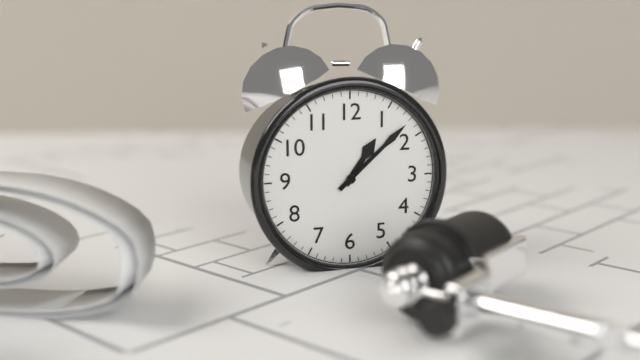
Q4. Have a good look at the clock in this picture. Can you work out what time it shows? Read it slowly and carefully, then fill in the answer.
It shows 1:08
